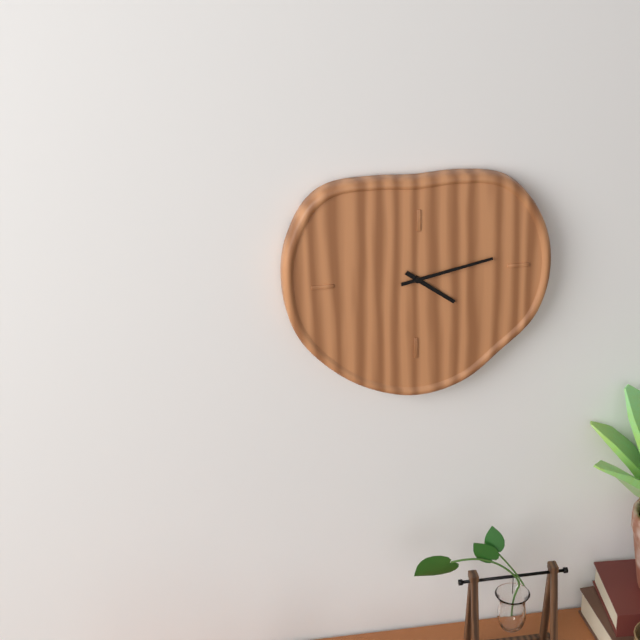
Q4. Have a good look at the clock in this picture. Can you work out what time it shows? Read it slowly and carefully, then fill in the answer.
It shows 4:13
